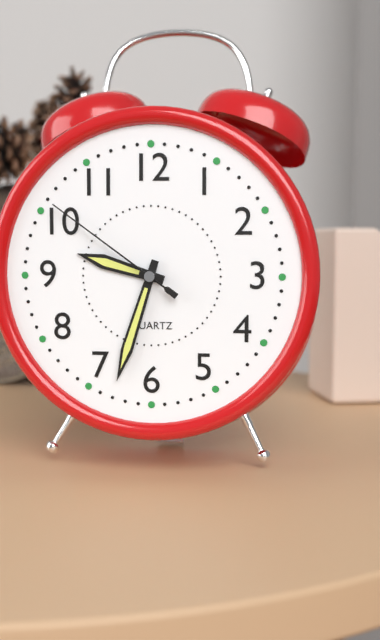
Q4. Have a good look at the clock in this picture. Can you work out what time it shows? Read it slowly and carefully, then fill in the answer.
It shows 9:33:51
